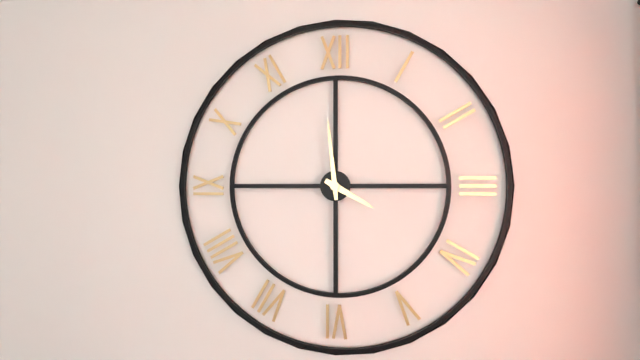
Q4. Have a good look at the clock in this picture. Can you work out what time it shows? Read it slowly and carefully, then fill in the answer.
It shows 3:59
